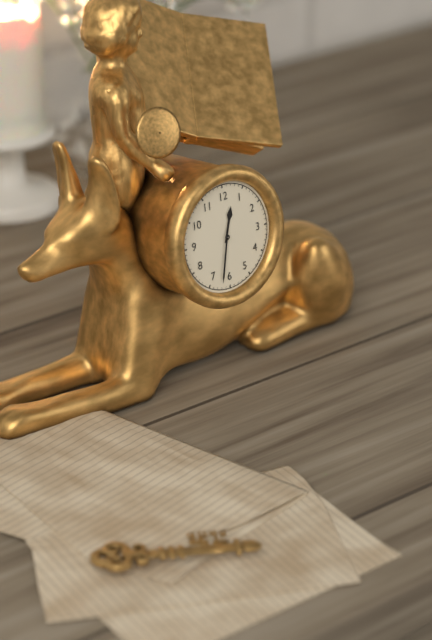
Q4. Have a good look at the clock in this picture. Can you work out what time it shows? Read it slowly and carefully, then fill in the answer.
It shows 12:32
